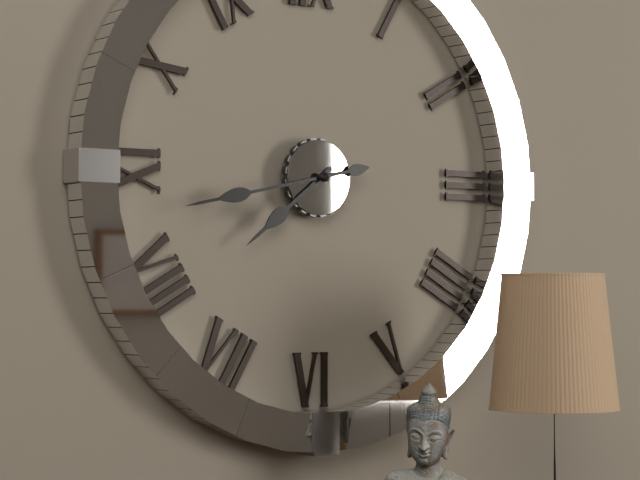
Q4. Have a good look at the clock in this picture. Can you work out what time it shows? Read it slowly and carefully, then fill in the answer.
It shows 7:43
